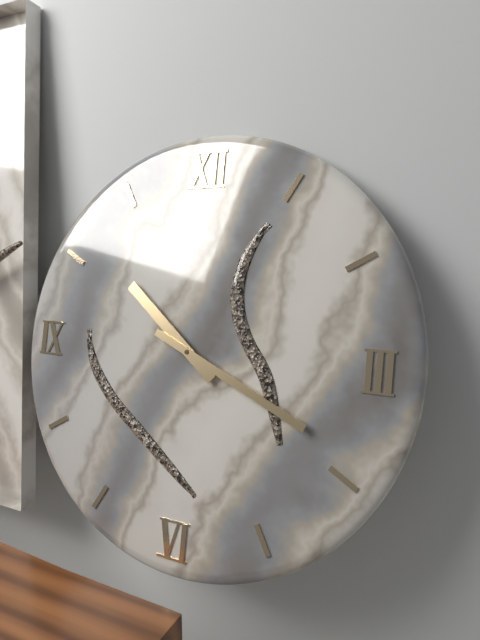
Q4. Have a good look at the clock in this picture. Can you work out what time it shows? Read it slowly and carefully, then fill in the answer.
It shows 10:19
